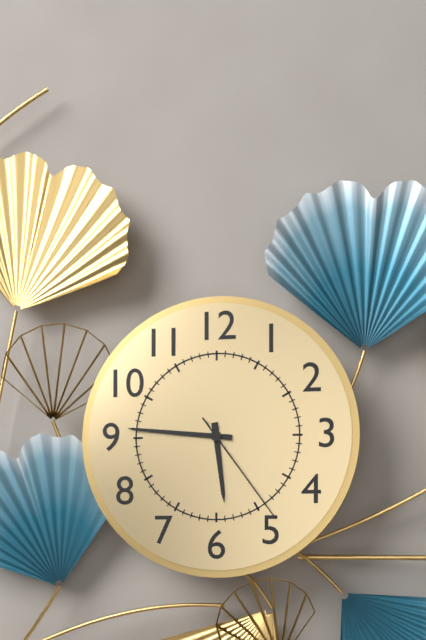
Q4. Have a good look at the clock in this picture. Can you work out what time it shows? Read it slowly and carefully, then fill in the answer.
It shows 5:46:24
